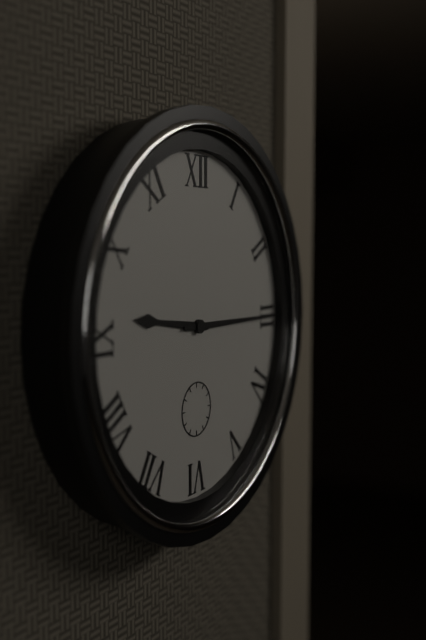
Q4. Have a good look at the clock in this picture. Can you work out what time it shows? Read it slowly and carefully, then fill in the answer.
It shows 9:15
